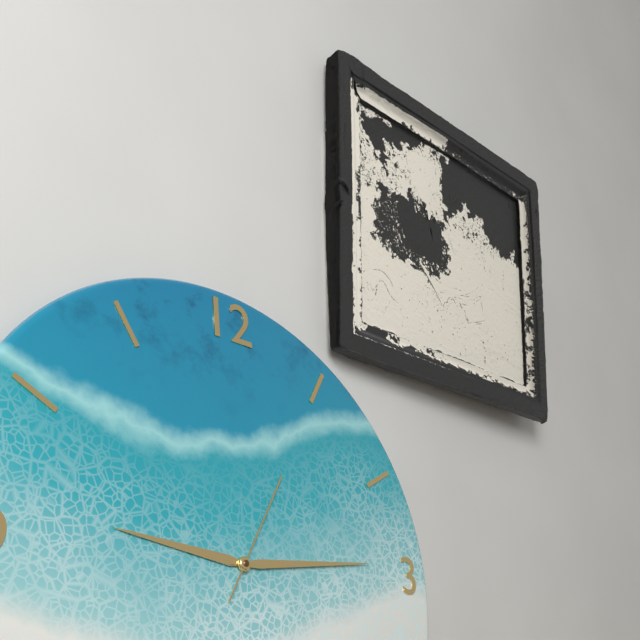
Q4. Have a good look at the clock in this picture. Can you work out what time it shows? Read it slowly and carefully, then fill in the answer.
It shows 9:14:05
